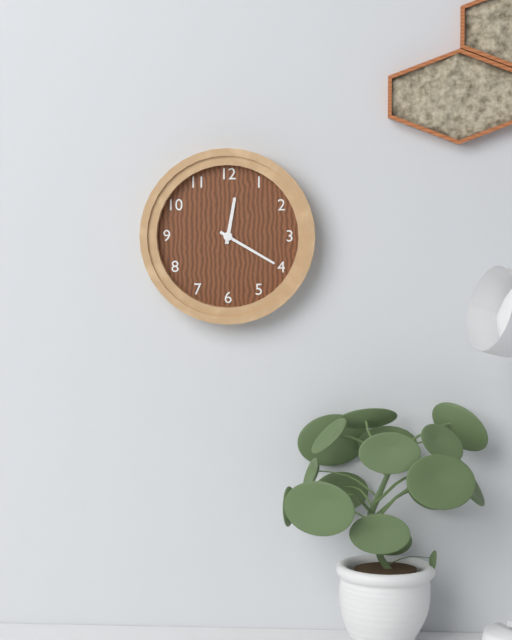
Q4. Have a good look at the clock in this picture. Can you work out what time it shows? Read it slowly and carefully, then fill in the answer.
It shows 12:20
